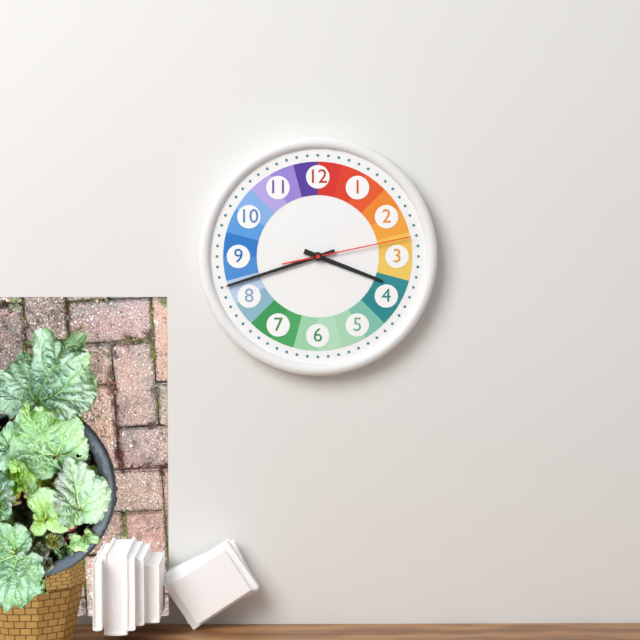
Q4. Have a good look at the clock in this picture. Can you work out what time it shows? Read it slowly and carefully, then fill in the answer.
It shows 3:42:13
